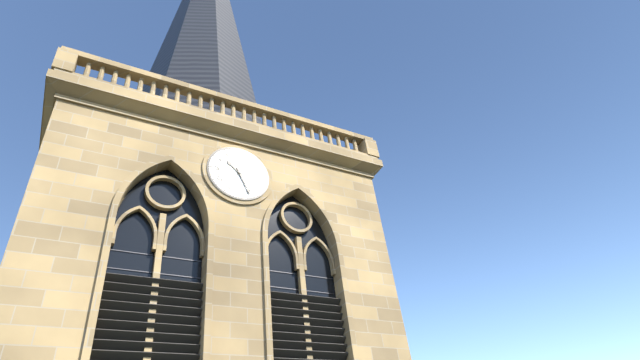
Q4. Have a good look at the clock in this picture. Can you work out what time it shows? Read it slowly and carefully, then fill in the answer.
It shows 10:26
